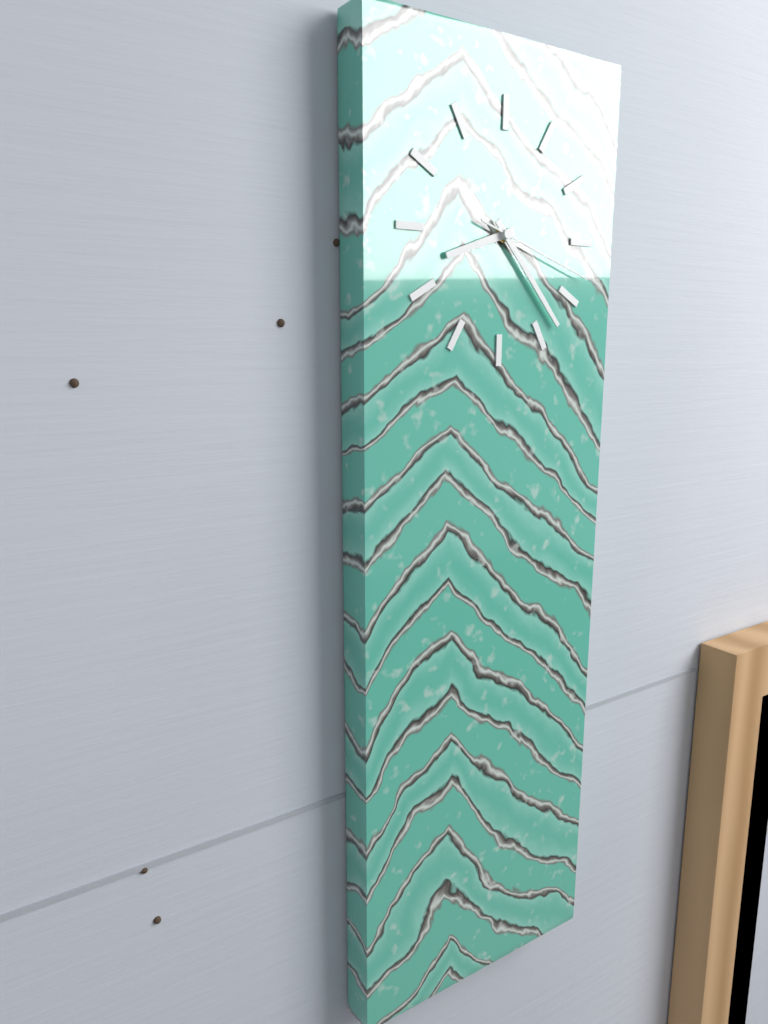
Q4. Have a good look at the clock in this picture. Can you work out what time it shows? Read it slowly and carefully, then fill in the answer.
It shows 8:23:18
